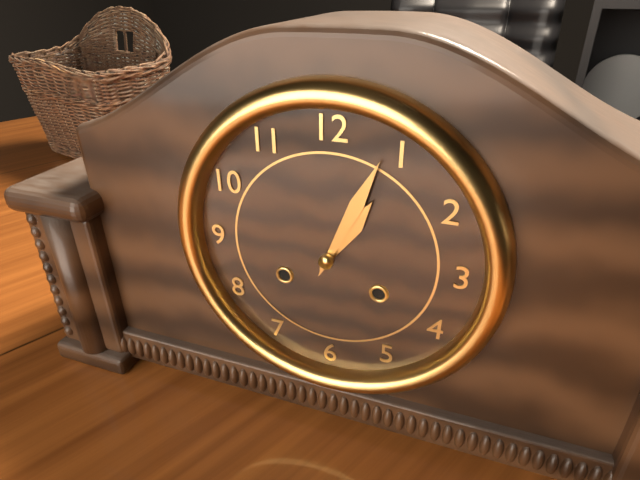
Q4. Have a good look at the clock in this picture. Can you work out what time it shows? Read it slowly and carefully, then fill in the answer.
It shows 1:04
